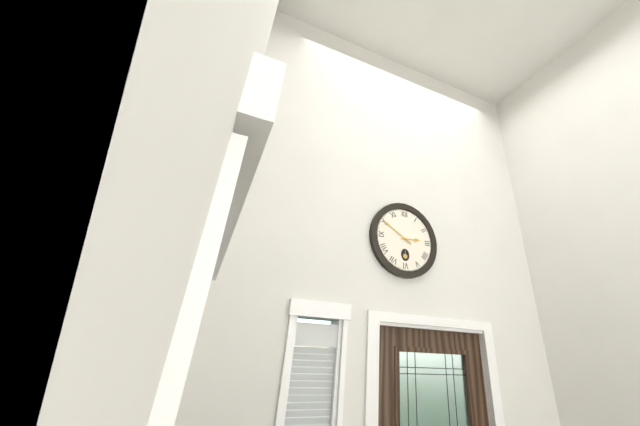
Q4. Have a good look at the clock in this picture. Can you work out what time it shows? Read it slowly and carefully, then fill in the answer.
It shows 2:50
